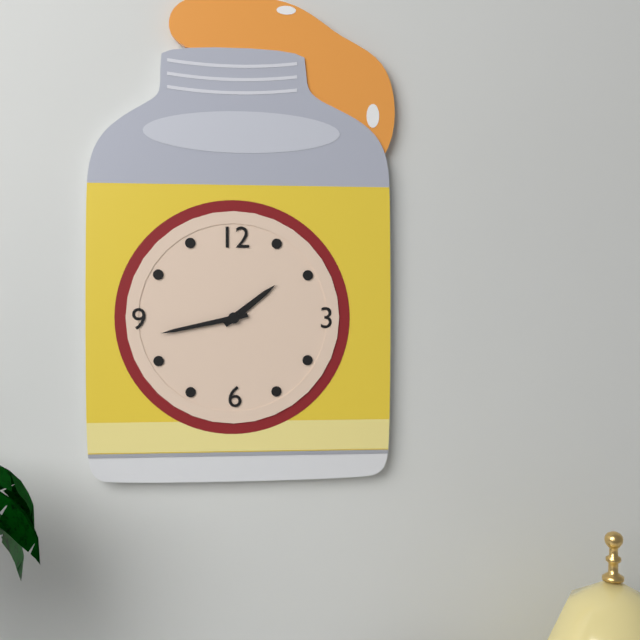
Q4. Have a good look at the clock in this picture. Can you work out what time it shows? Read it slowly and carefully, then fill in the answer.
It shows 1:43
